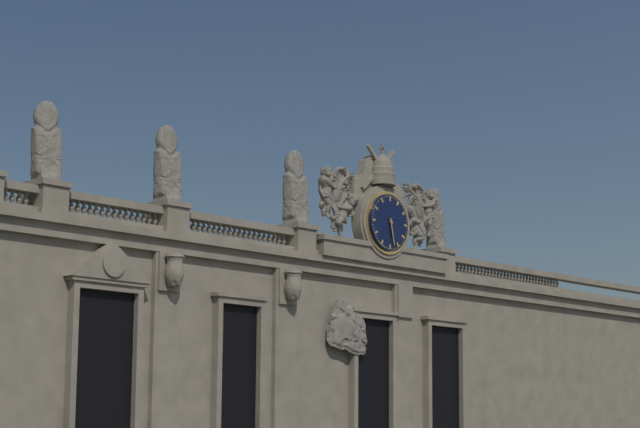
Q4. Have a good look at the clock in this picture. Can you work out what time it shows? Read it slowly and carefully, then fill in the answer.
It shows 5:28
